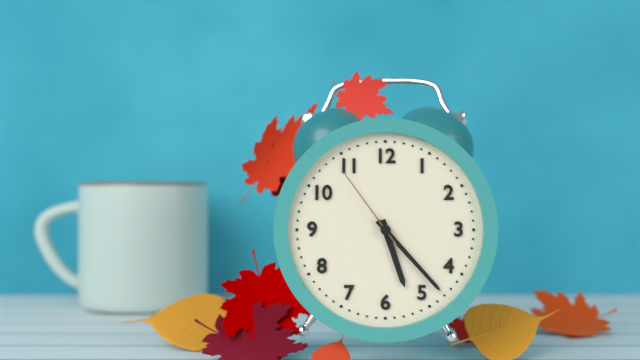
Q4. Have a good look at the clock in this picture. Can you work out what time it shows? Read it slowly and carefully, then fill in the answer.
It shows 5:23:54
